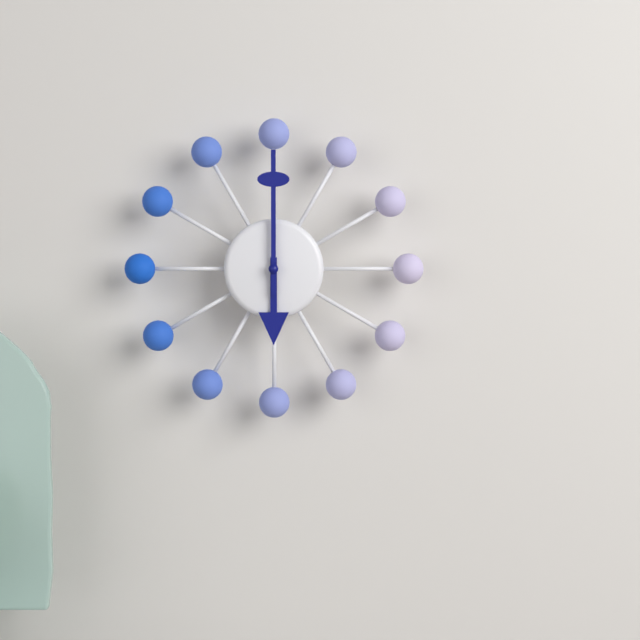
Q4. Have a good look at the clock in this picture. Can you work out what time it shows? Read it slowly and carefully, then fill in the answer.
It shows 6:00
